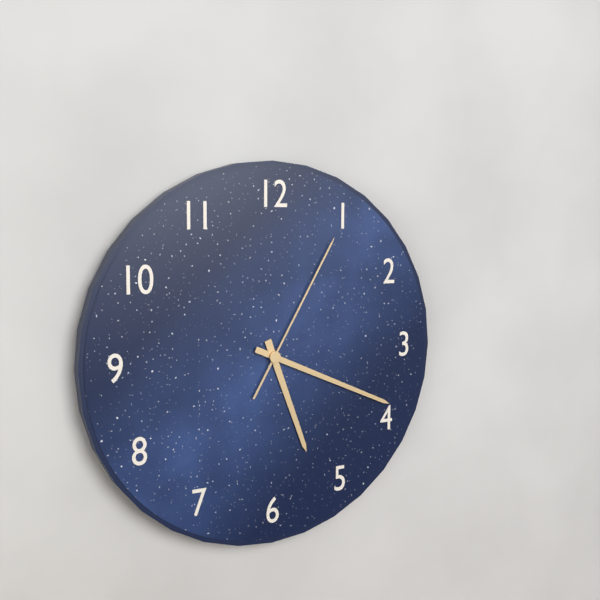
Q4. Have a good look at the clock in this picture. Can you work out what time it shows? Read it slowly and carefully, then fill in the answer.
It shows 5:19:05
